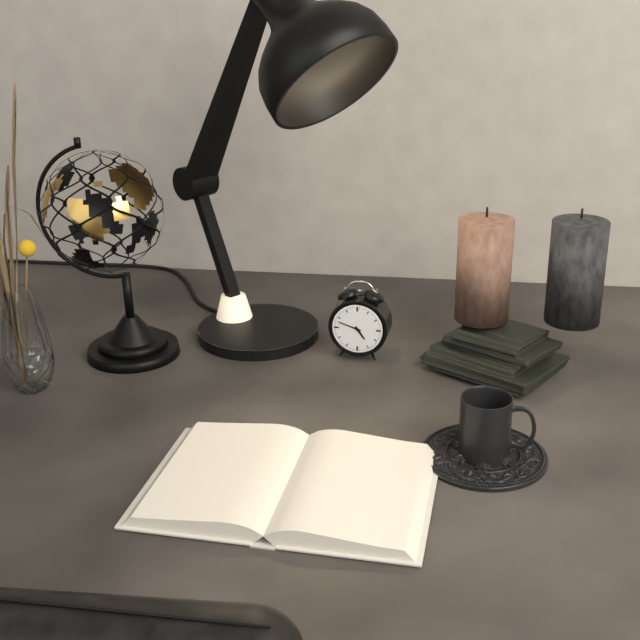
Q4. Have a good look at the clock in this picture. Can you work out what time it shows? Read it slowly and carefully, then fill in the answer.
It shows 4:48
